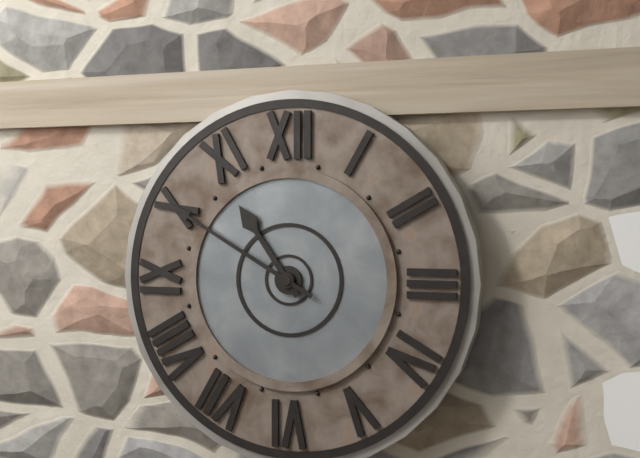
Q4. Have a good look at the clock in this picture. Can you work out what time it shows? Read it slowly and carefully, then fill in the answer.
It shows 10:50
